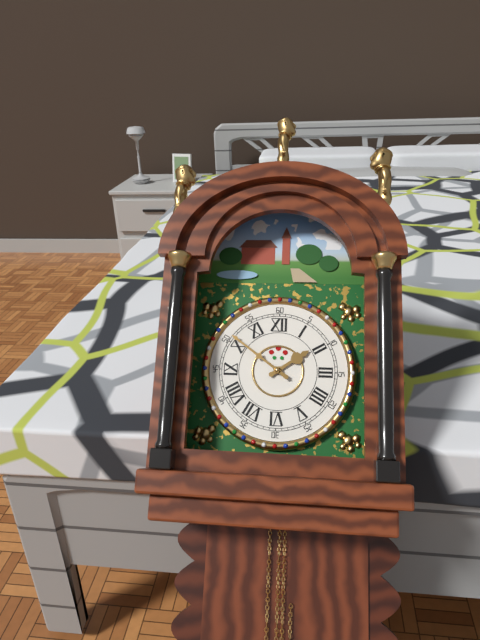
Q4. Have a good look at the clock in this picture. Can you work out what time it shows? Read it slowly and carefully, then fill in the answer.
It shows 1:51
